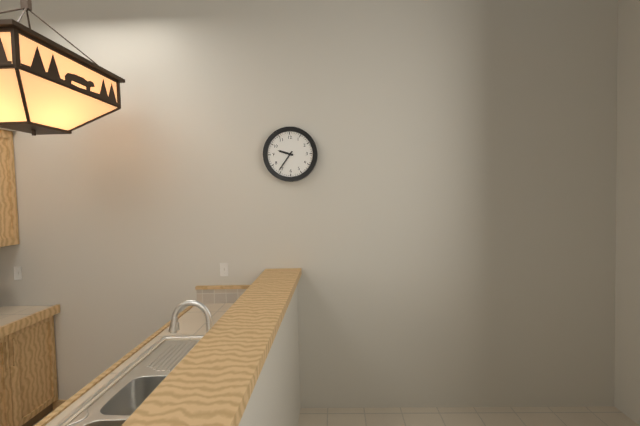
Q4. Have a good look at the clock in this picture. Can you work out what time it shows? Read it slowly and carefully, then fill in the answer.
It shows 9:36
